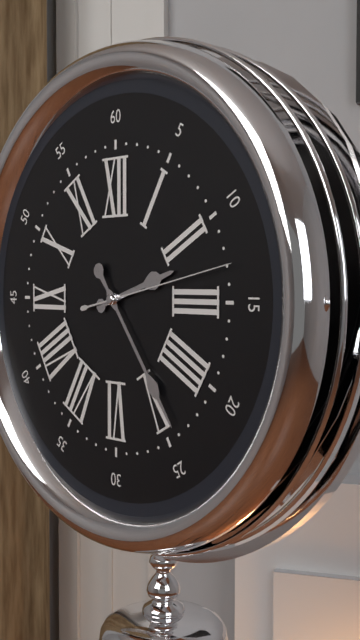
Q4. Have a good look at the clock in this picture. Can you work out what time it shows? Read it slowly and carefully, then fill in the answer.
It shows 2:24:13
